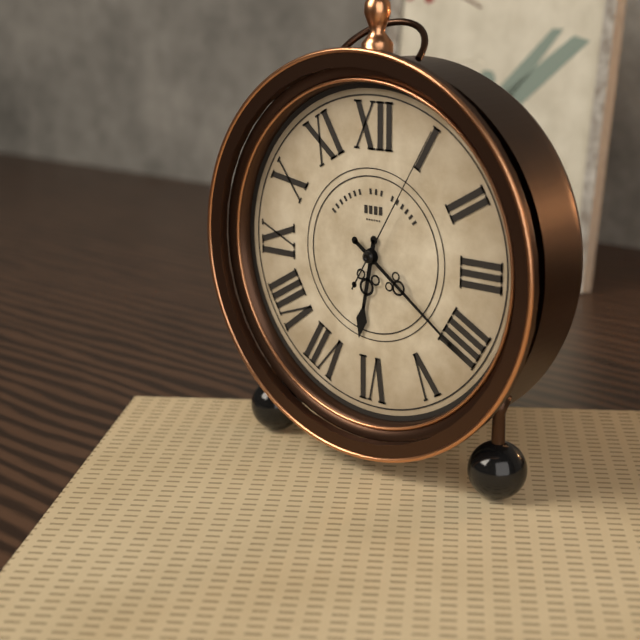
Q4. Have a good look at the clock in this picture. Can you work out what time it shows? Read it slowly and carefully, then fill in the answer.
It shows 6:21:05
